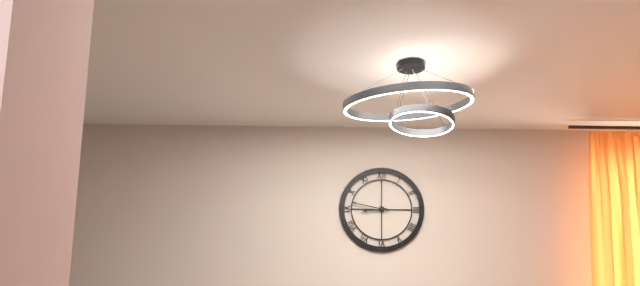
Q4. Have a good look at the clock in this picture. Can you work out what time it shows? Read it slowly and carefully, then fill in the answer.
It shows 8:47
